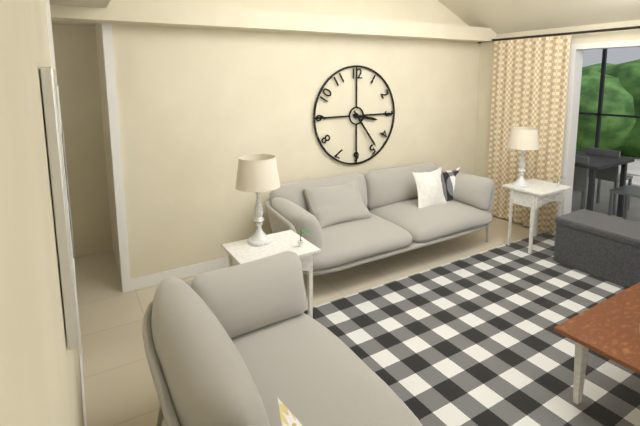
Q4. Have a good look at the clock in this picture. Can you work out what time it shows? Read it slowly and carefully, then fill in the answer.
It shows 3:24
